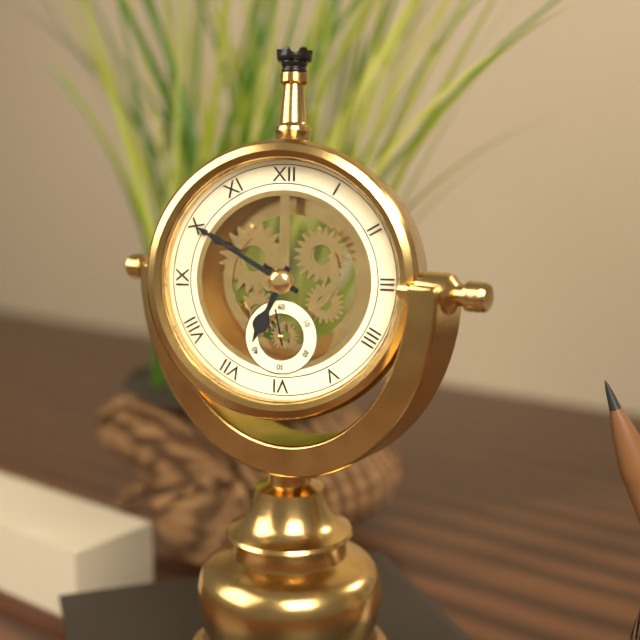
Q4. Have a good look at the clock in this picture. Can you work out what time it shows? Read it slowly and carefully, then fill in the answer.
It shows 6:50
